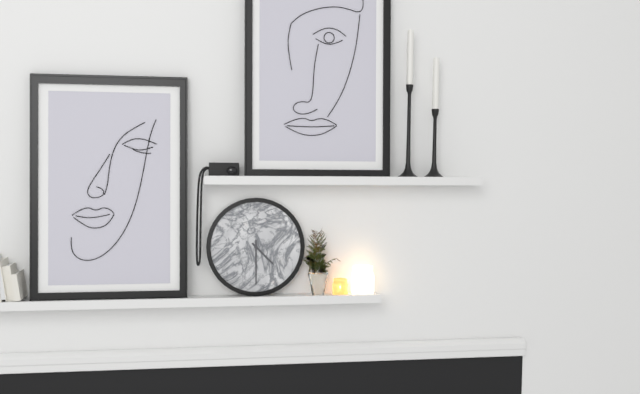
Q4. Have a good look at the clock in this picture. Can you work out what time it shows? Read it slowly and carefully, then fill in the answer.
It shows 4:30
